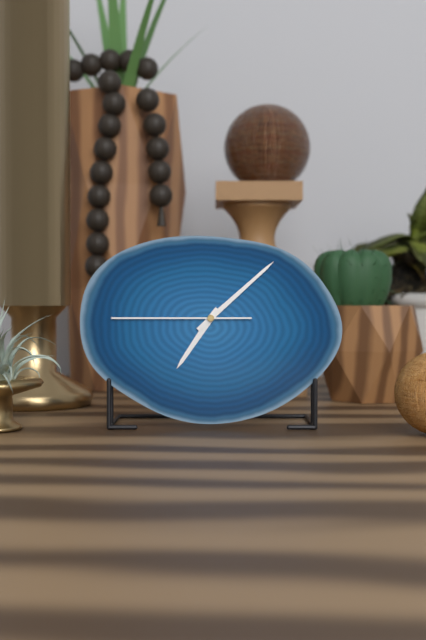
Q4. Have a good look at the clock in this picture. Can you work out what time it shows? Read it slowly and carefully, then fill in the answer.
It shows 7:08:45
